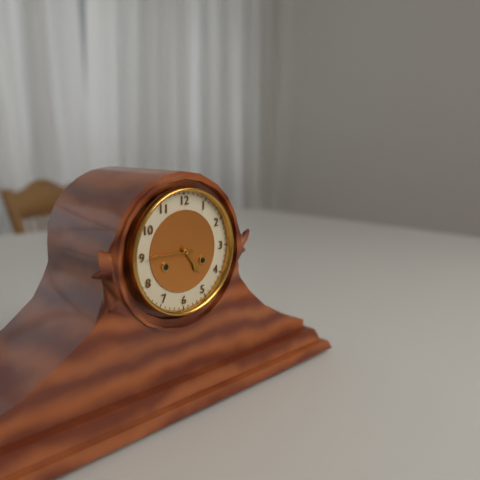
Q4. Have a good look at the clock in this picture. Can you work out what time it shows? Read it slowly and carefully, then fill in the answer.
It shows 4:45
